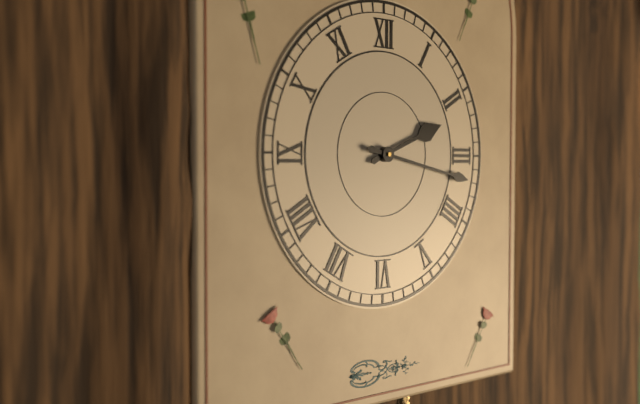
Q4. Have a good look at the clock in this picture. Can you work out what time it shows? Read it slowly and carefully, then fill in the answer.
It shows 2:17
